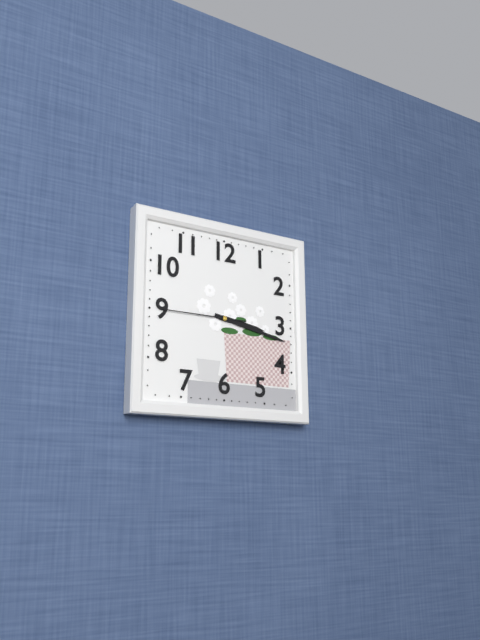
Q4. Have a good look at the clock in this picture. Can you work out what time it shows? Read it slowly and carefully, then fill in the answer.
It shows 3:17:45
